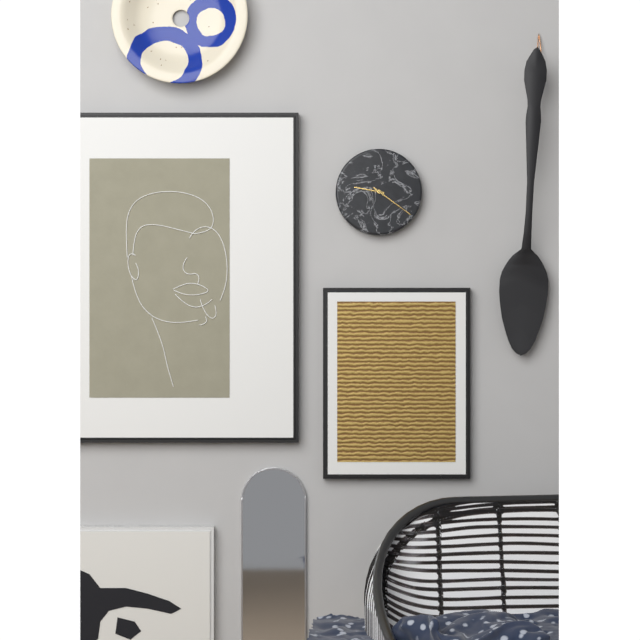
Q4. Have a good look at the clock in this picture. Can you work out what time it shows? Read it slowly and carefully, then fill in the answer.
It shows 9:21
